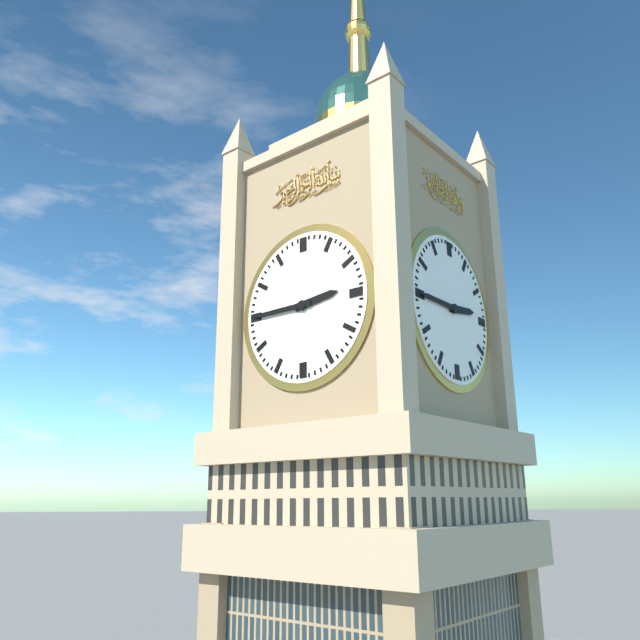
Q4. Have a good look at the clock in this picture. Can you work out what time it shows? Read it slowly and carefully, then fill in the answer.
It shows 2:45
